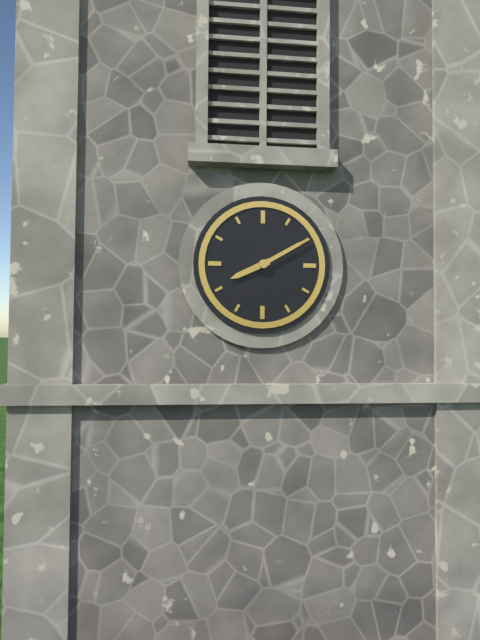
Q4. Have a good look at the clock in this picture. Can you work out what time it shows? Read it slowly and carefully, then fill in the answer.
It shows 8:10
